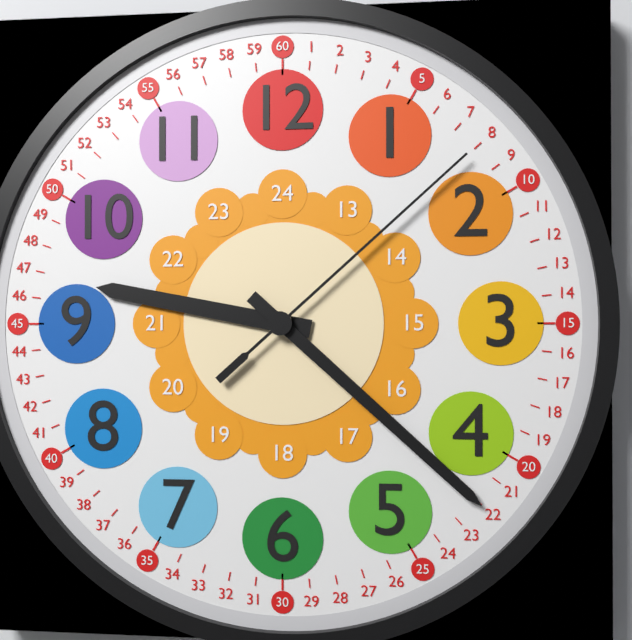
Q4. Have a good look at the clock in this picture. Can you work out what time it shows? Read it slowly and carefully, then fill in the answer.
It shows 9:22:08
